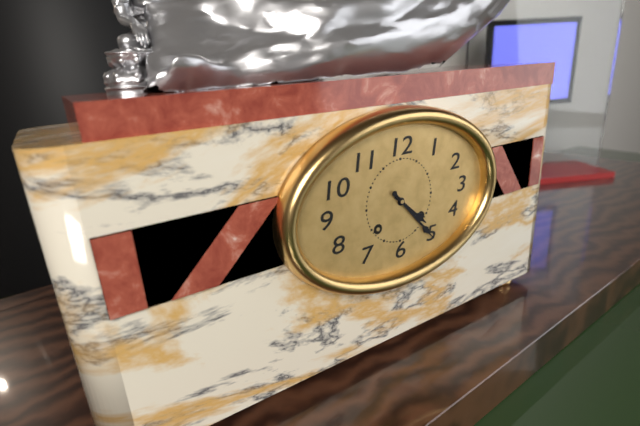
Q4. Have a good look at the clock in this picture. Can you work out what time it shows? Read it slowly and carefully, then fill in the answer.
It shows 4:23
